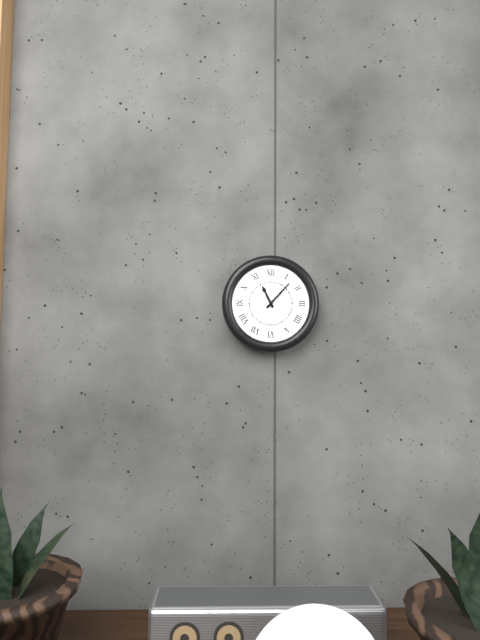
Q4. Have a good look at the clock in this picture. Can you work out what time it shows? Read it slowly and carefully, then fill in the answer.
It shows 11:07
